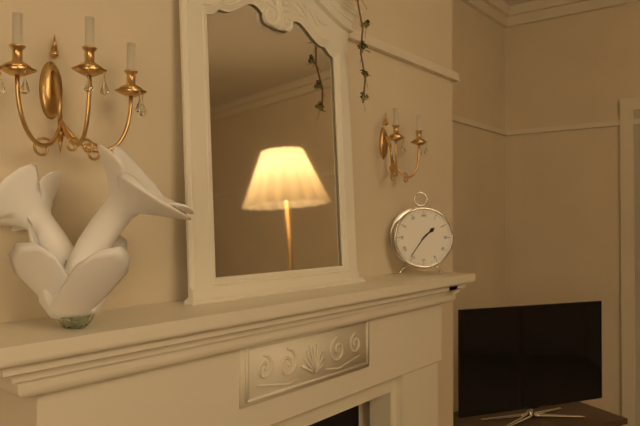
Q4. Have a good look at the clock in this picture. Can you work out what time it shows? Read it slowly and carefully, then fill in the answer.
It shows 1:36
